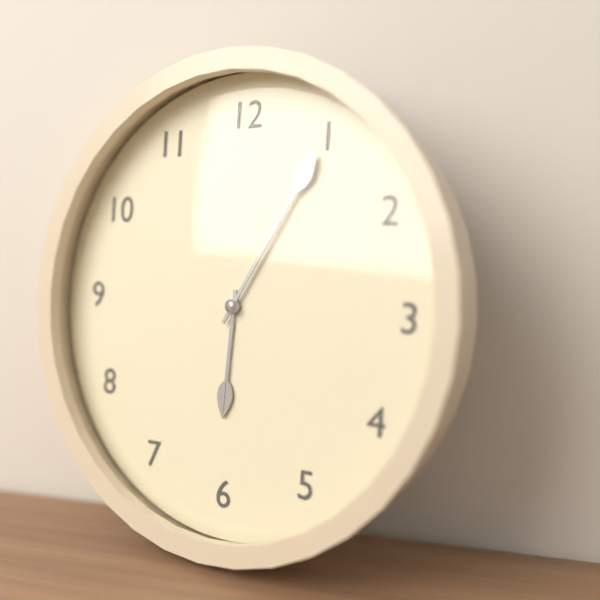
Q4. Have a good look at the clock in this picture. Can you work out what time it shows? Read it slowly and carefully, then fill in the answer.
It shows 6:05
